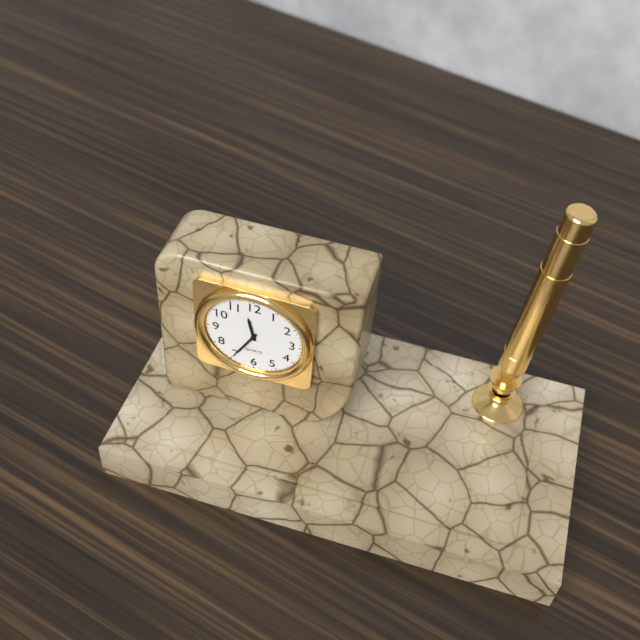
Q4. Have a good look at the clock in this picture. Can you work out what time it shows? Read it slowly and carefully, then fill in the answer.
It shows 11:35
